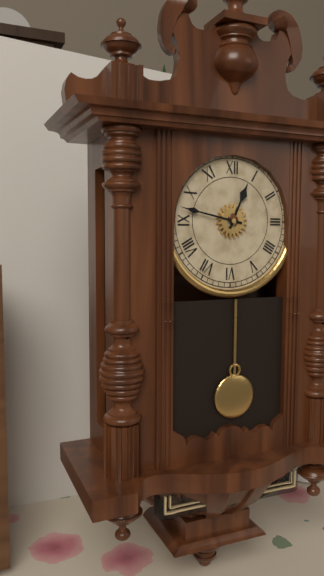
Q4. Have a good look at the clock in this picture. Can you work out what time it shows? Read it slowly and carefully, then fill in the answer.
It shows 12:47
